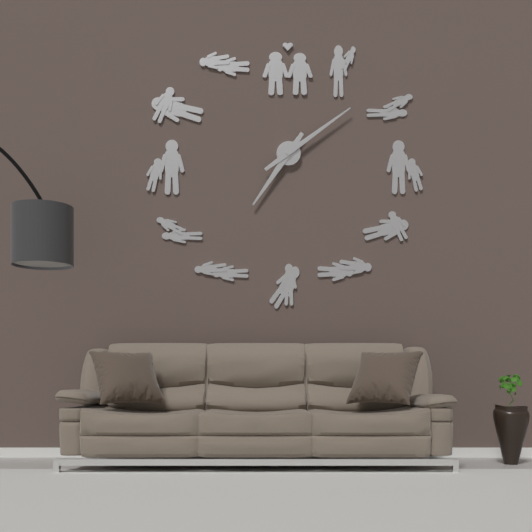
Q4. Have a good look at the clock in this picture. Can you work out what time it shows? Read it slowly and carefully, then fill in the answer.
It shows 7:09
